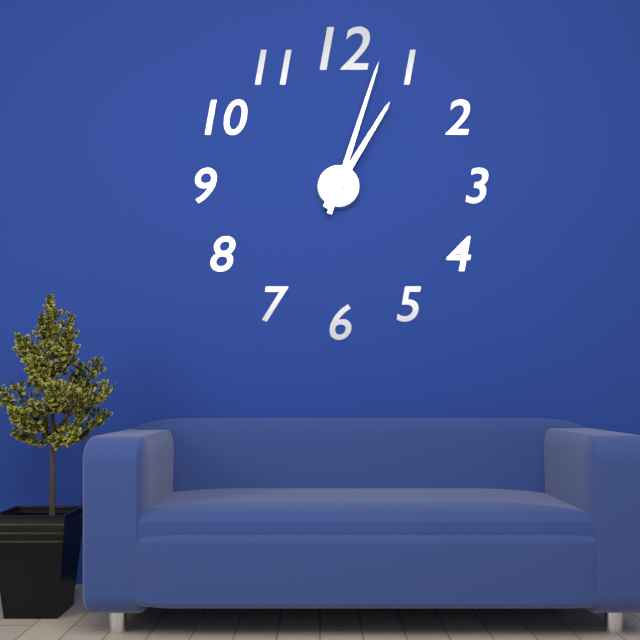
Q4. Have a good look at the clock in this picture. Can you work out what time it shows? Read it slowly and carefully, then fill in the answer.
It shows 1:03
